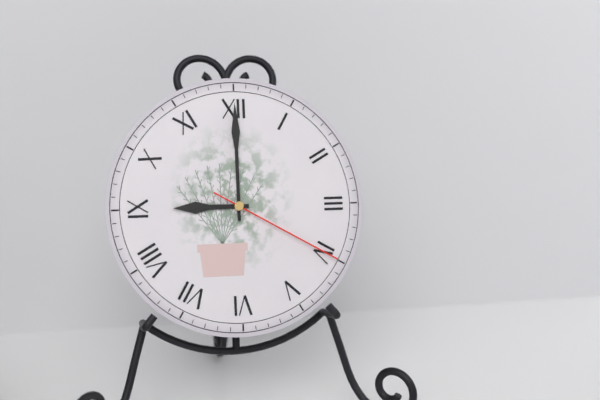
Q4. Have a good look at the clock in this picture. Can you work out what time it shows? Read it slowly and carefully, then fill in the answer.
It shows 9:00:20
